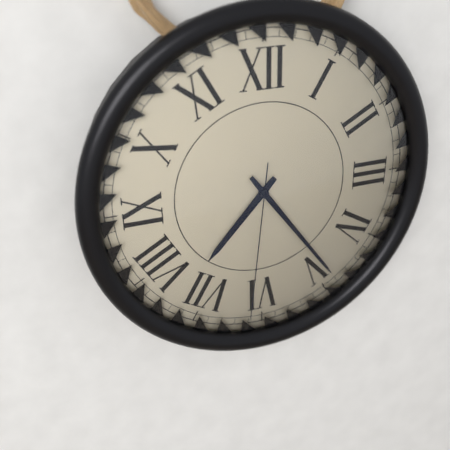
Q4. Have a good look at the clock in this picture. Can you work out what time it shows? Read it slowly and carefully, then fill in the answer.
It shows 7:24:31
